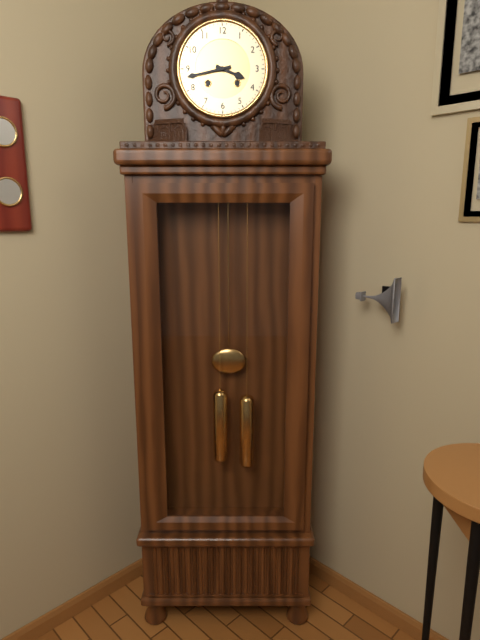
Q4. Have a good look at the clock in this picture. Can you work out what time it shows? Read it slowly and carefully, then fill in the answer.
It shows 3:43
